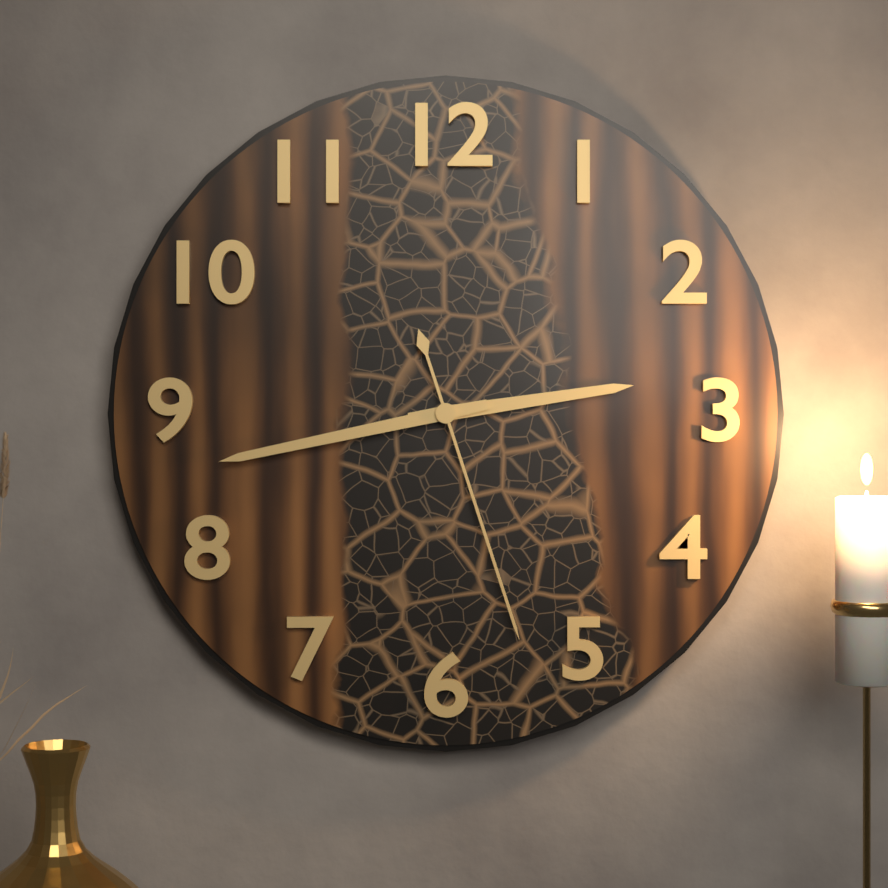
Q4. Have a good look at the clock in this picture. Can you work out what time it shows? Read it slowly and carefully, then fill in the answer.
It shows 2:43:27
